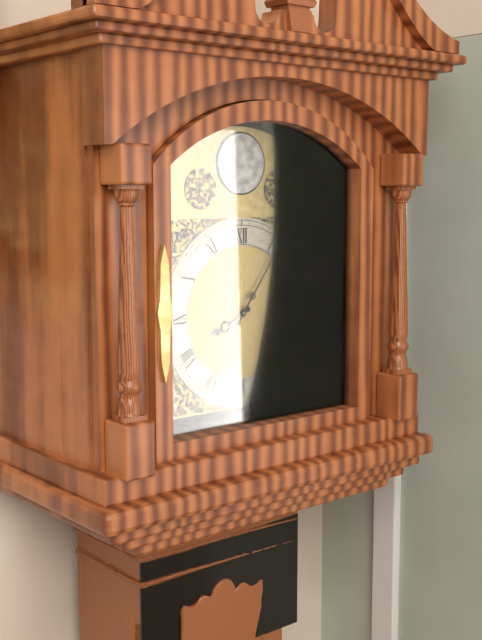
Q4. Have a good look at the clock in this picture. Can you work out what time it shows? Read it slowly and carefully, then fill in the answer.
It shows 8:06
